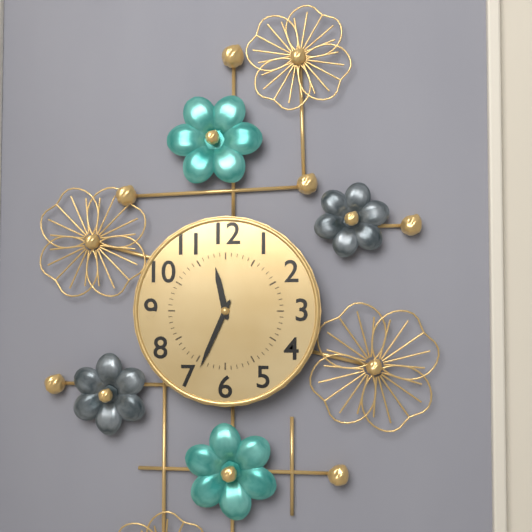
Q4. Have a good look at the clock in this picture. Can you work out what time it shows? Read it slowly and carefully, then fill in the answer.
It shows 11:34
